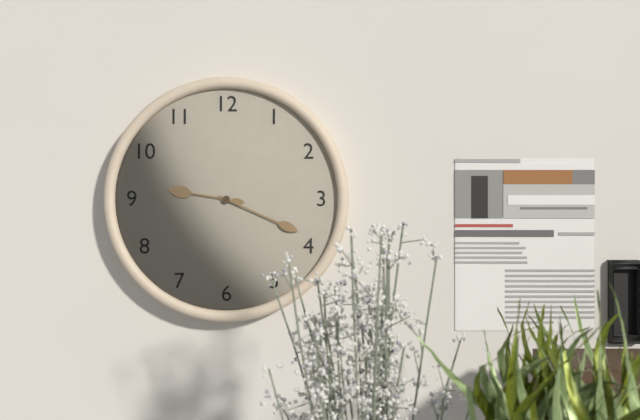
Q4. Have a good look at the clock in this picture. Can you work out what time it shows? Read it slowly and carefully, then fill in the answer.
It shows 9:19
